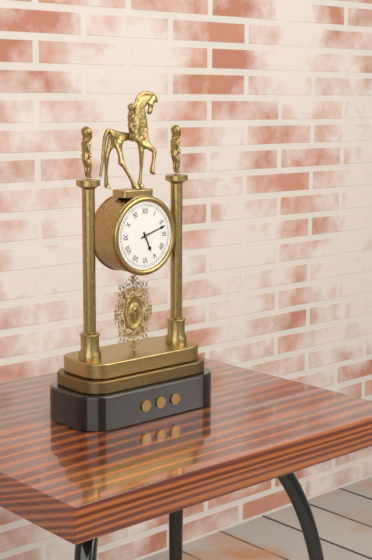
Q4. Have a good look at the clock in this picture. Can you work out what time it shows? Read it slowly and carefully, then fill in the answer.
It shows 5:12
